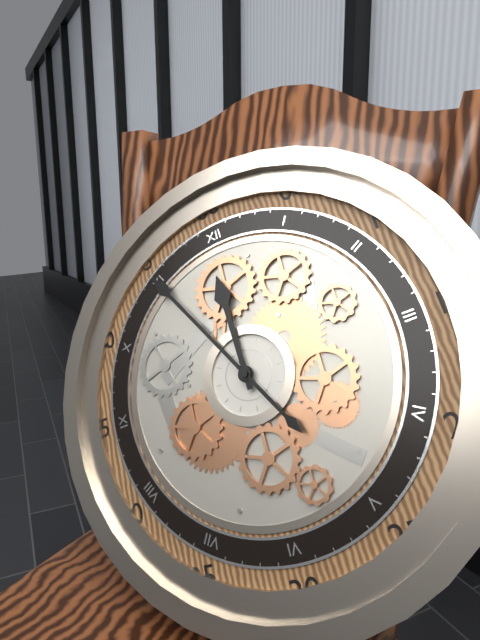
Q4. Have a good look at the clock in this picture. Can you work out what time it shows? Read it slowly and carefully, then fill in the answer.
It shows 11:55
